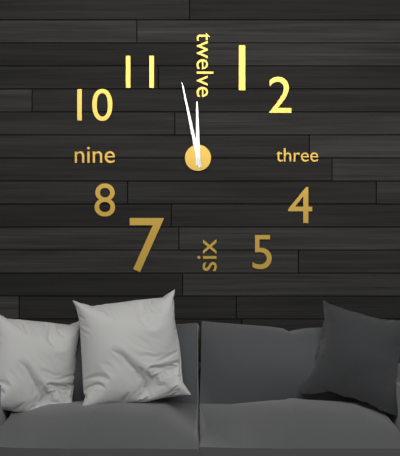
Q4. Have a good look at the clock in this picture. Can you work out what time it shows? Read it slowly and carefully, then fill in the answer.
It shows 11:58
